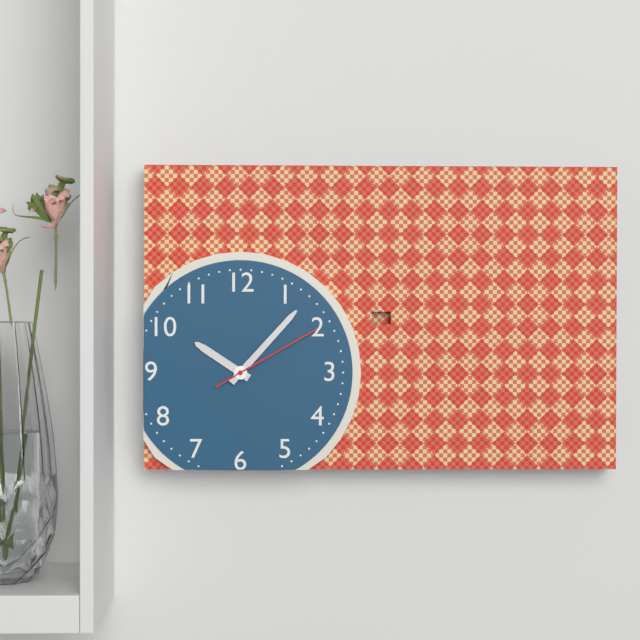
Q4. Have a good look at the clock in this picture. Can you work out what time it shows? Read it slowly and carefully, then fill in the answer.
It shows 10:07:10
